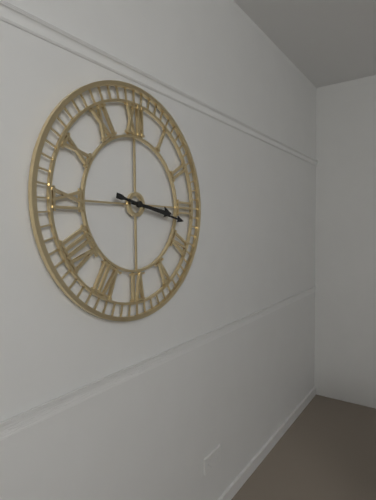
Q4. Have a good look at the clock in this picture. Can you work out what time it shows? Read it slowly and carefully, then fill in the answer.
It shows 3:17
